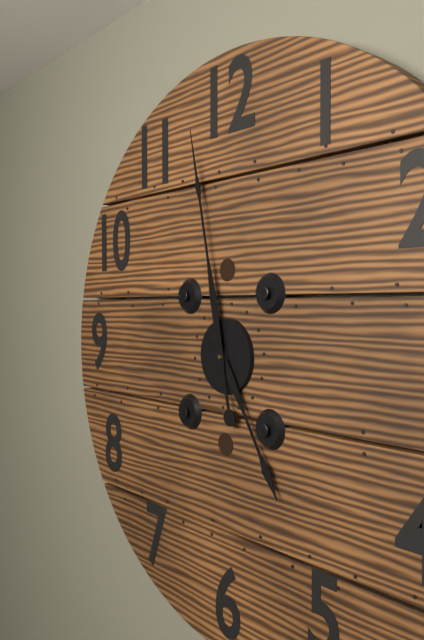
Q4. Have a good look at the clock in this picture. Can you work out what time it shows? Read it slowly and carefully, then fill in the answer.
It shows 4:58
